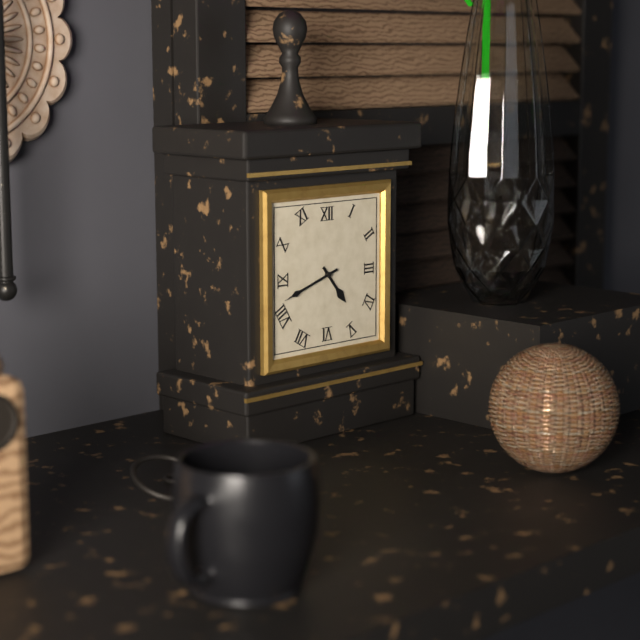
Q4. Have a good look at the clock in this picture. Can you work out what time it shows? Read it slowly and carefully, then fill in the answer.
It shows 4:42
